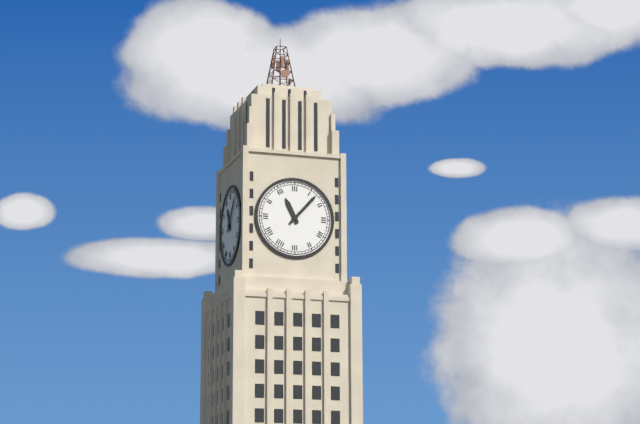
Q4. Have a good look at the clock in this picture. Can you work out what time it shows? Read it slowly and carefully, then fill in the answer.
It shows 11:07
